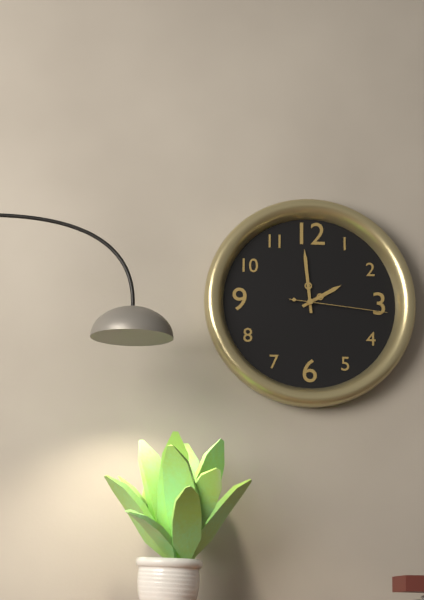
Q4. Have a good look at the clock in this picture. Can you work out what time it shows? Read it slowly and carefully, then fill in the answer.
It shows 1:59:16
